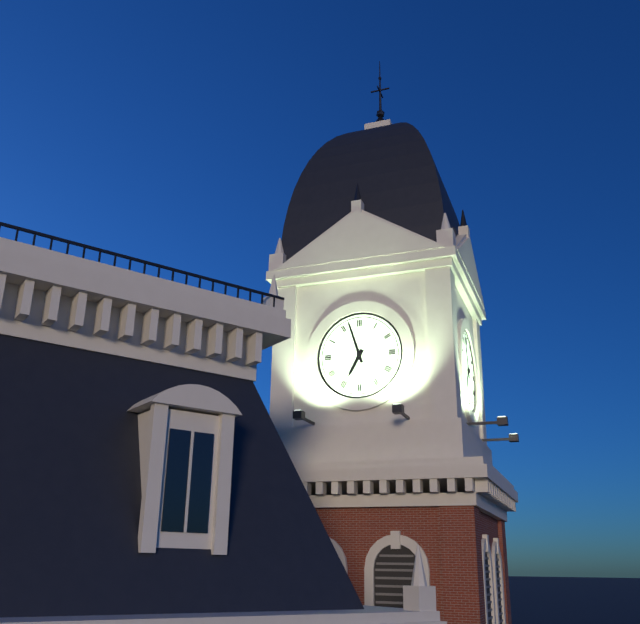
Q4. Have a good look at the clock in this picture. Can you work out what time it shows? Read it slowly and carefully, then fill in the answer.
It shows 6:57
